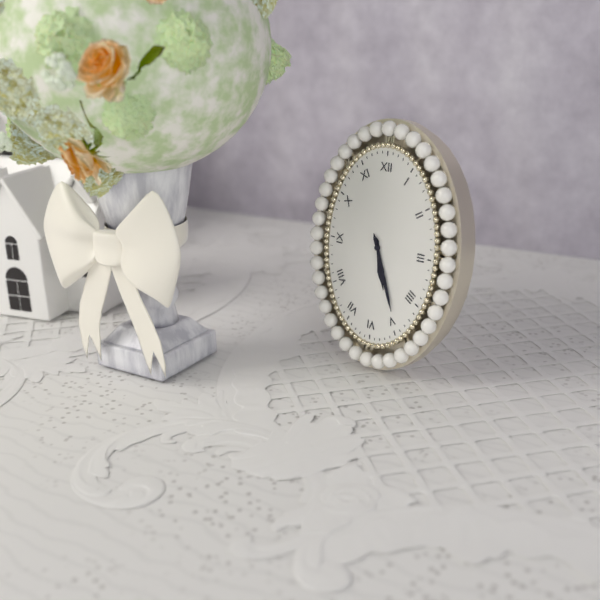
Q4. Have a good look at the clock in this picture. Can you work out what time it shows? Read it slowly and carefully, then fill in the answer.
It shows 5:26
